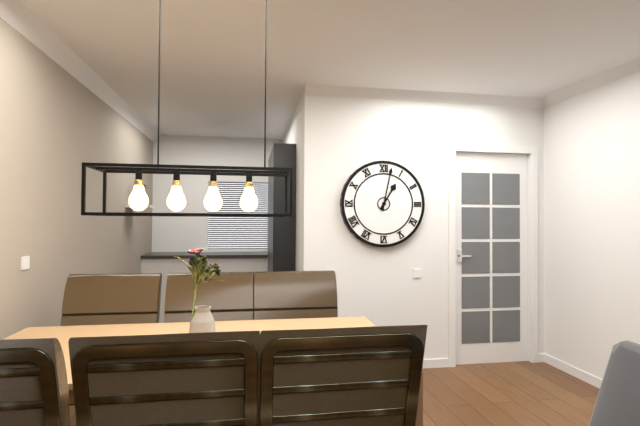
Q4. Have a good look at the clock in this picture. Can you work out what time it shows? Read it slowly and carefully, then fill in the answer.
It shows 1:02
